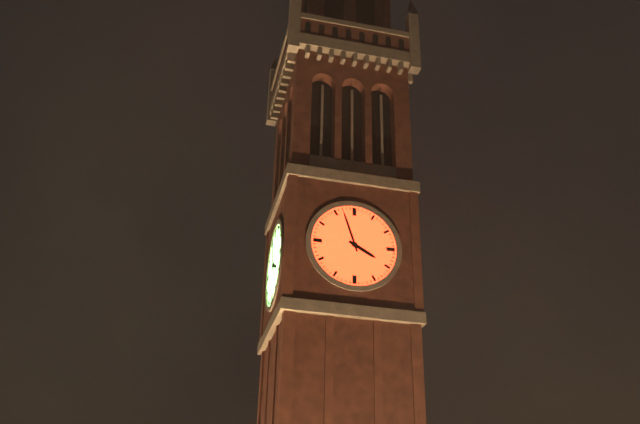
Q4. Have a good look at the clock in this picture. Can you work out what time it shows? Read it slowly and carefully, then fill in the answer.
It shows 3:57
